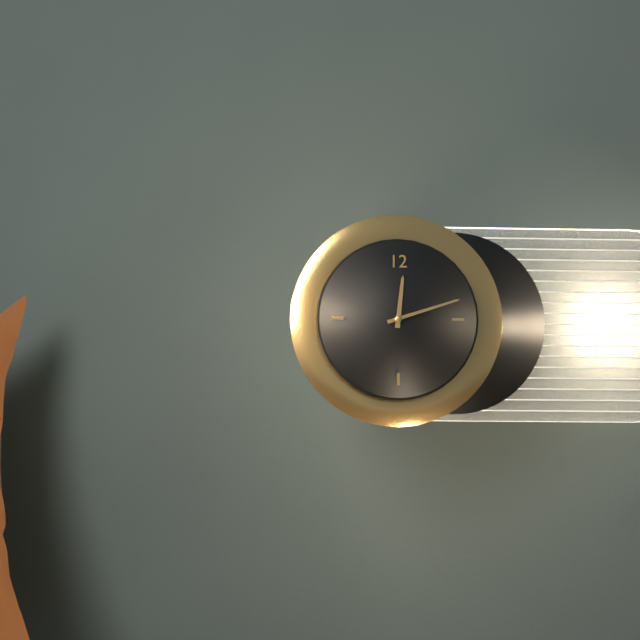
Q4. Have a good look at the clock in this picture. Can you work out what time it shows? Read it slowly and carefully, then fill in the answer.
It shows 12:12
